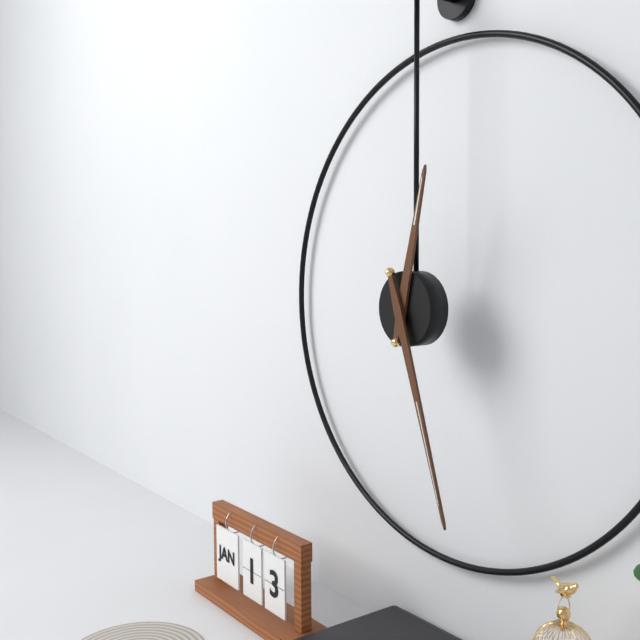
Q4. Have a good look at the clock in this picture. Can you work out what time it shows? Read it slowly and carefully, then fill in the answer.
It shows 12:27
